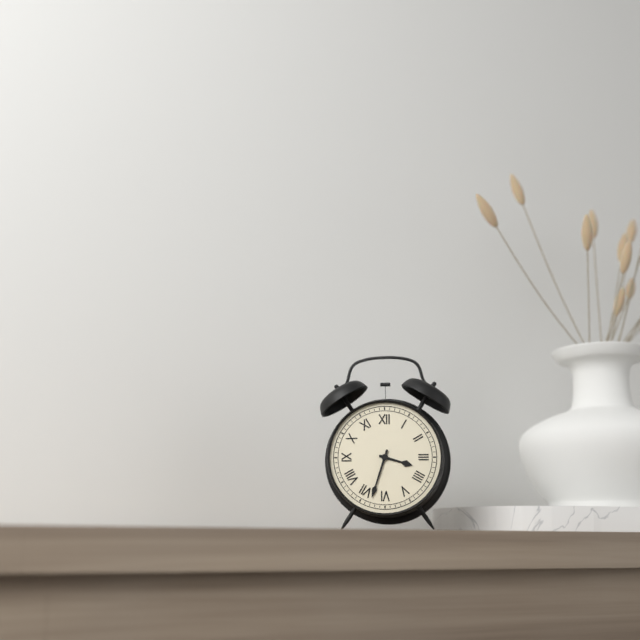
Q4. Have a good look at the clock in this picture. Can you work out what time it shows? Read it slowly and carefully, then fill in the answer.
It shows 3:33
